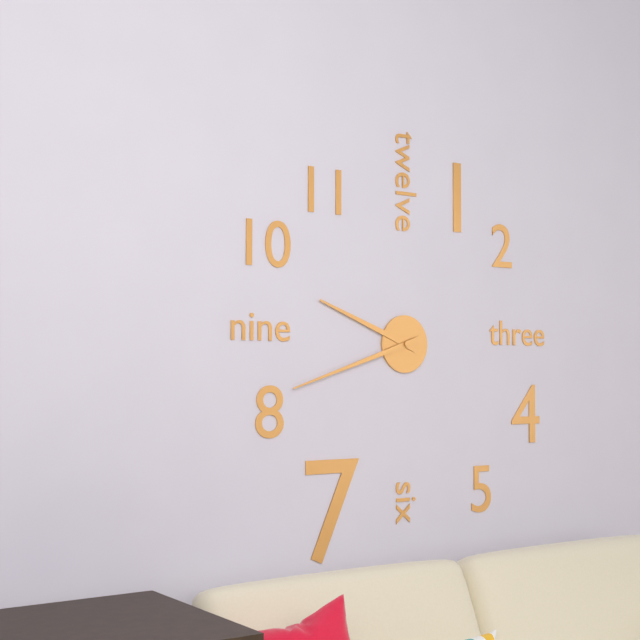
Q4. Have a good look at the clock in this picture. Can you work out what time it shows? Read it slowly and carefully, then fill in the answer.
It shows 9:42
